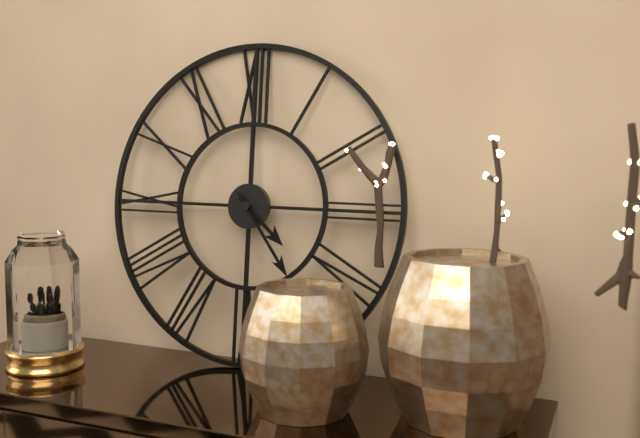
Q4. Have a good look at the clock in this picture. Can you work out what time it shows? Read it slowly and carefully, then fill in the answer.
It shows 4:24
